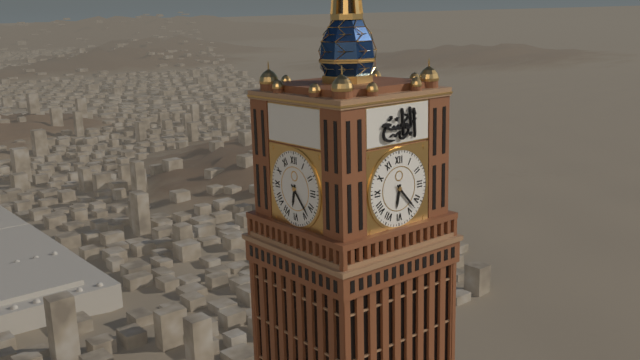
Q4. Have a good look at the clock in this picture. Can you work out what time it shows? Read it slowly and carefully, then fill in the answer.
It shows 6:23
